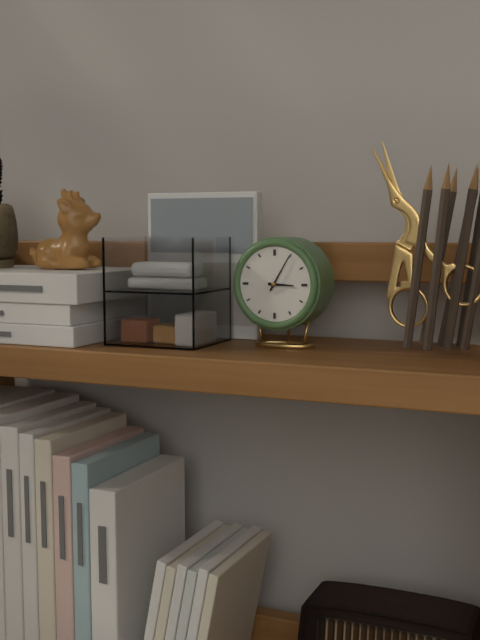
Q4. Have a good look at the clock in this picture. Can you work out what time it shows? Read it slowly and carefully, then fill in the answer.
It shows 3:05
